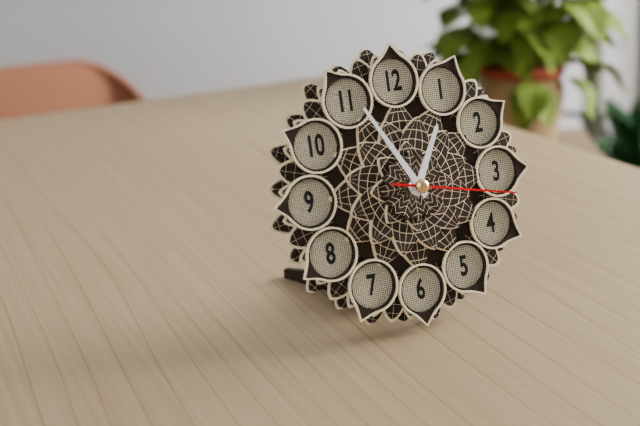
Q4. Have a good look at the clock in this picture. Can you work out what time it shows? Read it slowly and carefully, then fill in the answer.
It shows 12:55:17
